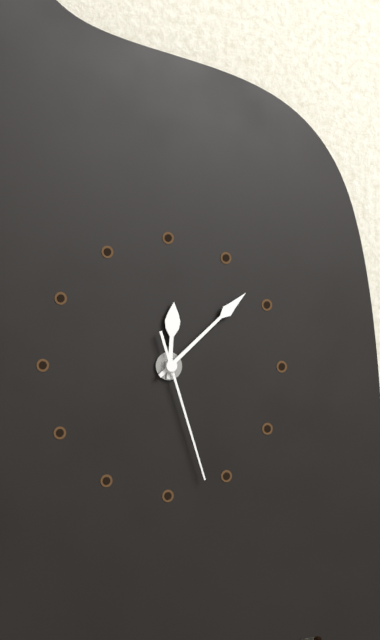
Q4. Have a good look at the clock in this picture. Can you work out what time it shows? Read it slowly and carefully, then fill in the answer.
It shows 12:08:27
